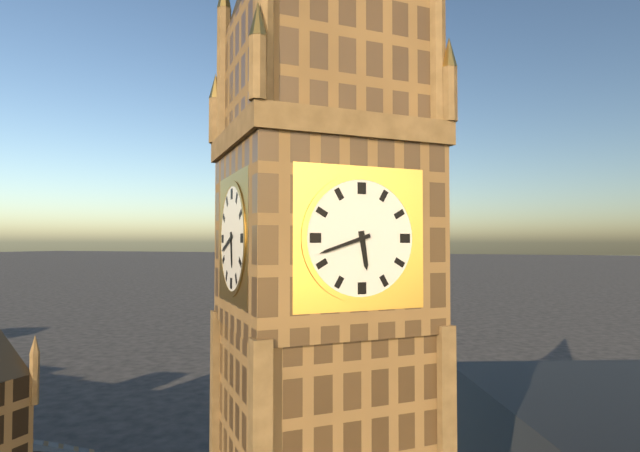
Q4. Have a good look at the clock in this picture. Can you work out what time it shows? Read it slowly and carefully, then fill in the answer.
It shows 5:42
